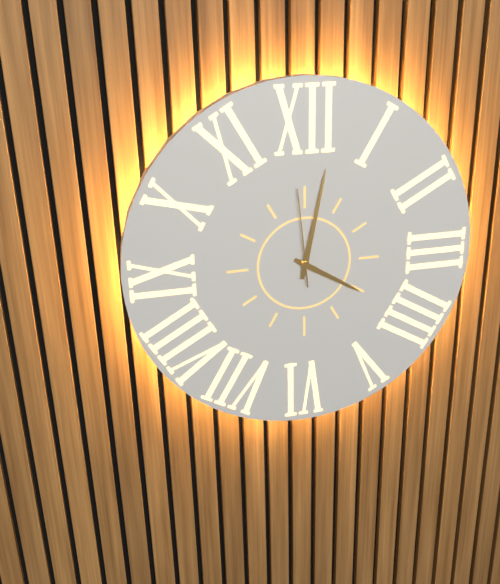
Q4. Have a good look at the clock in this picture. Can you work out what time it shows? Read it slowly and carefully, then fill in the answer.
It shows 4:02:59
